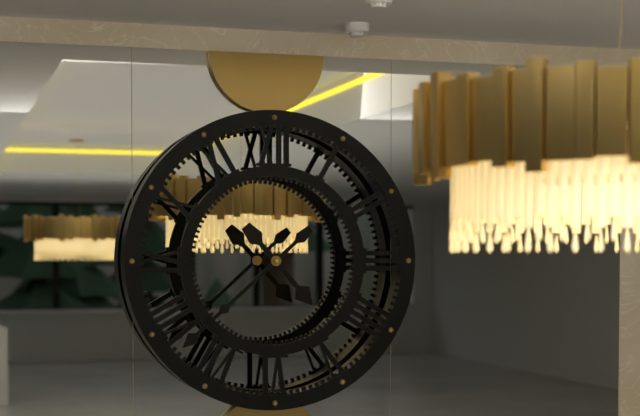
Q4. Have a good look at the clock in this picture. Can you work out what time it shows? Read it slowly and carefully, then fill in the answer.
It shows 4:38
